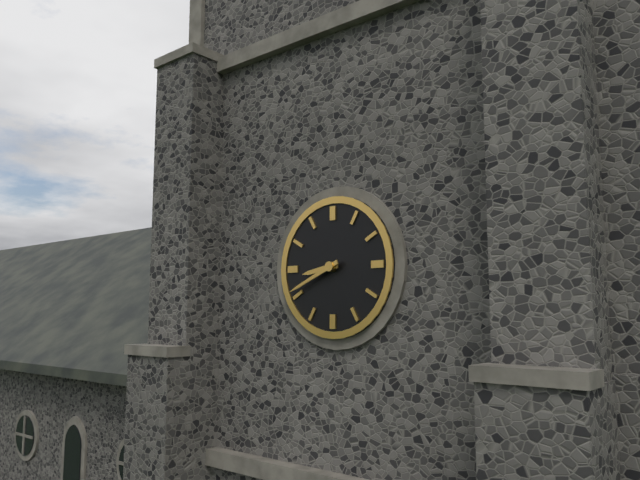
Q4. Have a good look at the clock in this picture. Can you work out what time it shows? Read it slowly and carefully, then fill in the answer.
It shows 8:41
